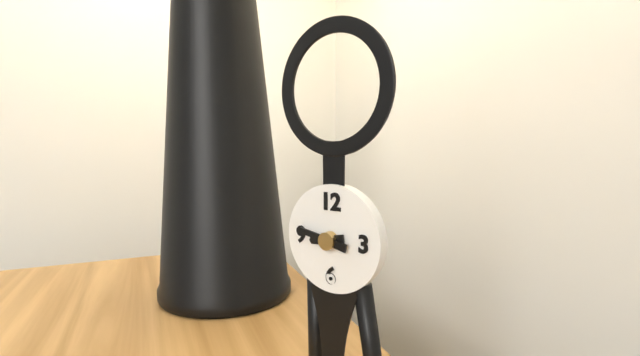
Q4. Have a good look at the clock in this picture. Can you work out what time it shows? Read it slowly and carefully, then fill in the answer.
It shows 8:47
